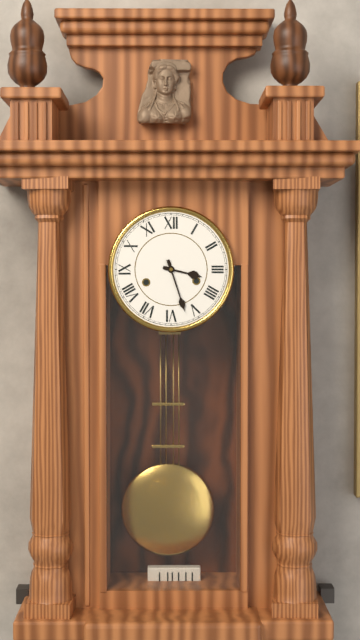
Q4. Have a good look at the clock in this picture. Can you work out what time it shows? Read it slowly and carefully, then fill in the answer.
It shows 3:27
